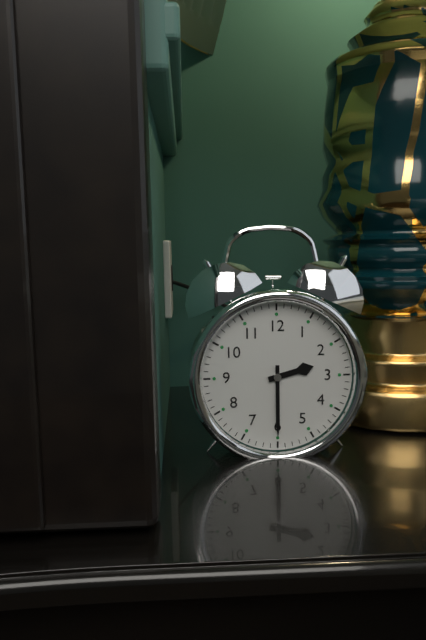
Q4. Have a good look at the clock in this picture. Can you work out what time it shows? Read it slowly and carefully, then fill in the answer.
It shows 2:30
